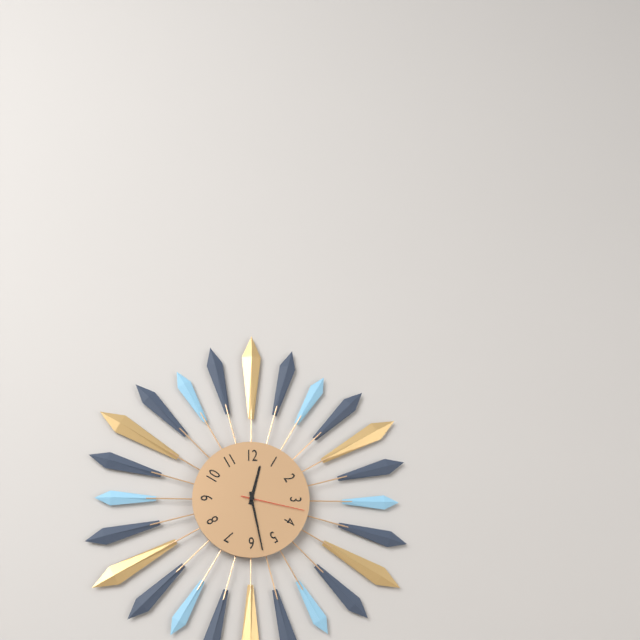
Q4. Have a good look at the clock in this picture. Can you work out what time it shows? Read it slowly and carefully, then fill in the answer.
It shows 12:28:17
